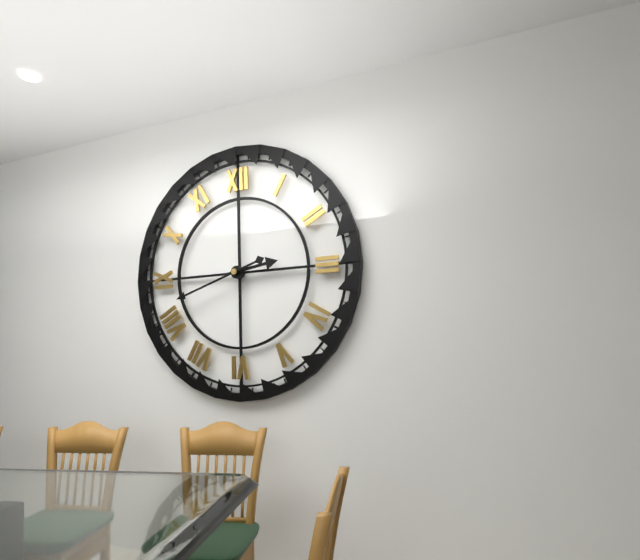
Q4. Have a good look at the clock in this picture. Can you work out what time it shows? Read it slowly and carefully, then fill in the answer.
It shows 2:42
